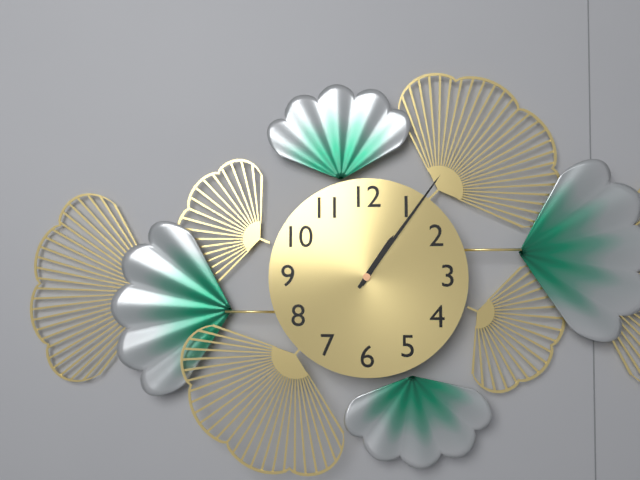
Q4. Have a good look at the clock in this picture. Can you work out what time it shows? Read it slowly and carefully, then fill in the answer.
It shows 1:06
